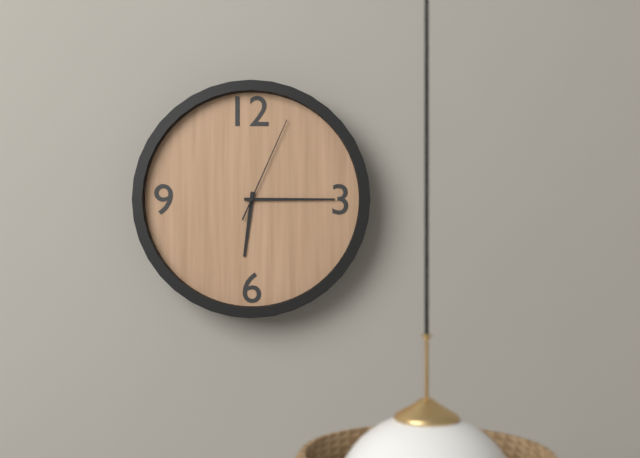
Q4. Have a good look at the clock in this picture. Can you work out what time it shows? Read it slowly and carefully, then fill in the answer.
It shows 6:15:04
